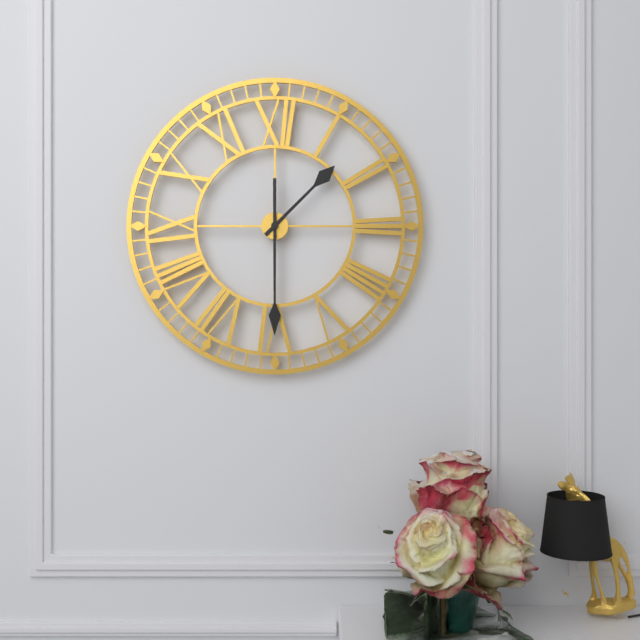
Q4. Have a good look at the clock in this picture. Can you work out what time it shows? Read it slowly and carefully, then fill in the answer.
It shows 1:30
